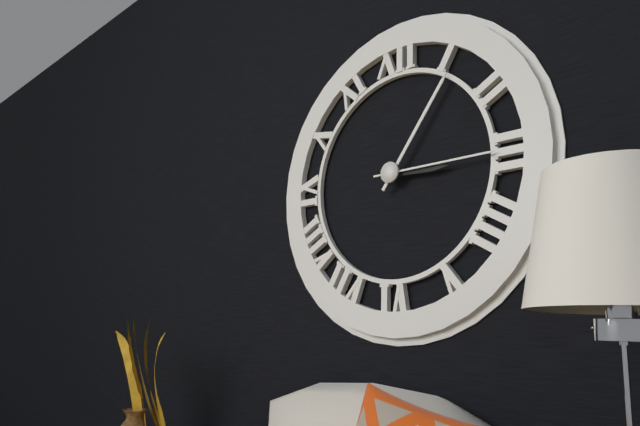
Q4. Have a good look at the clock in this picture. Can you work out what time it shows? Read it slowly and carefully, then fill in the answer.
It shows 3:06:15
